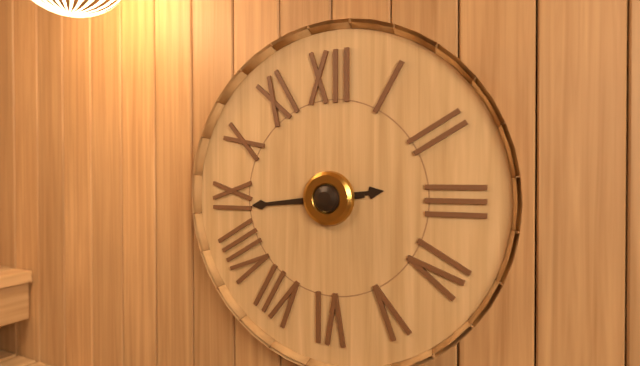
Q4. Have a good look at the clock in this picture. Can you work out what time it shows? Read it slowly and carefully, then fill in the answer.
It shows 2:44
